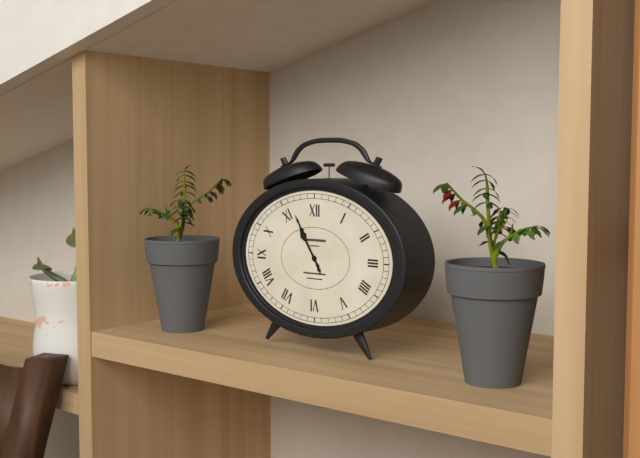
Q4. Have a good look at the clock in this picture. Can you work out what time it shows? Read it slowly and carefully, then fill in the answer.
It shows 10:55
